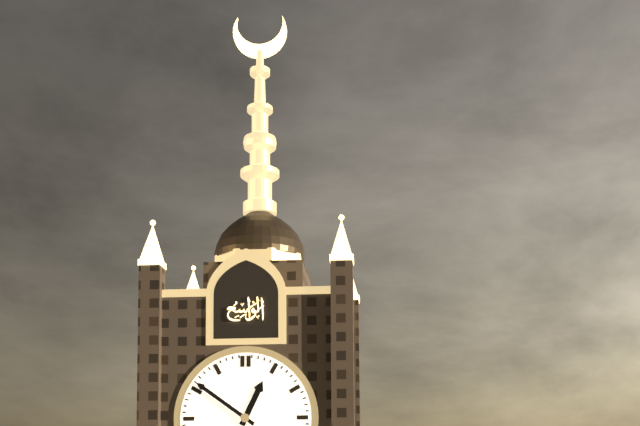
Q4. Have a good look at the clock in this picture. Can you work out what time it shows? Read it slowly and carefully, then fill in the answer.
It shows 12:51
